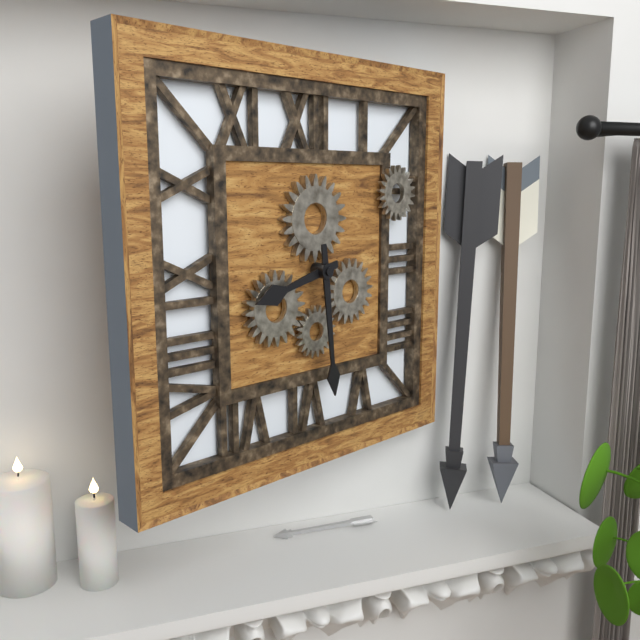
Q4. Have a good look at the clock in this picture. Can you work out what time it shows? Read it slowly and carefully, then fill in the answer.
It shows 8:29
